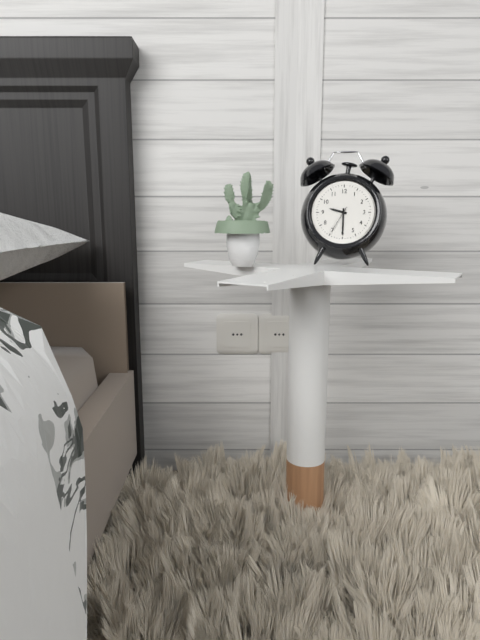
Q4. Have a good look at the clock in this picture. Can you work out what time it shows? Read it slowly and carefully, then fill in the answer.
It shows 9:30
